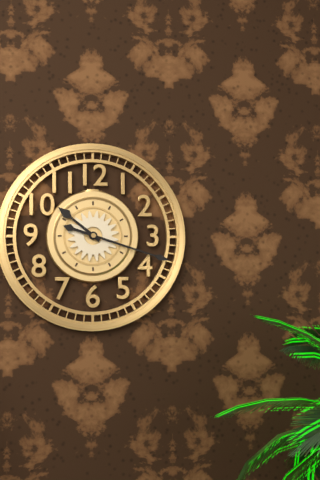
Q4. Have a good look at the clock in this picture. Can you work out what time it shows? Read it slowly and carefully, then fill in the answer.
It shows 10:18
